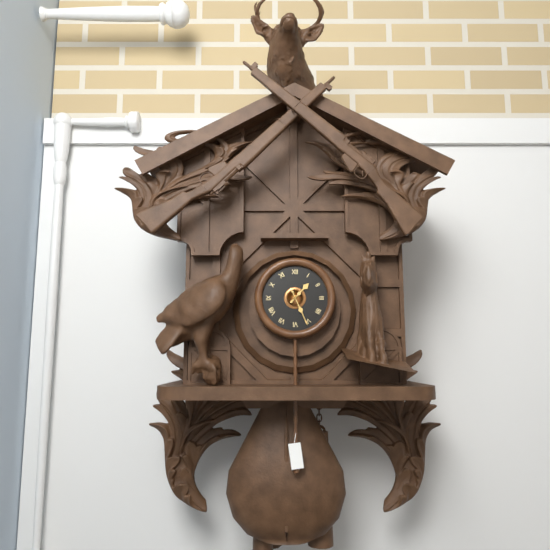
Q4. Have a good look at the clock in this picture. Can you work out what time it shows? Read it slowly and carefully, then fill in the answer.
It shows 1:26
